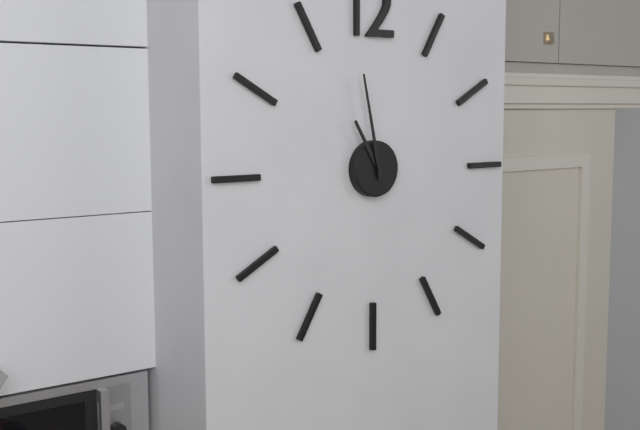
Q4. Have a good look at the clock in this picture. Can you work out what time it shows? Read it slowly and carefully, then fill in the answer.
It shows 10:58
